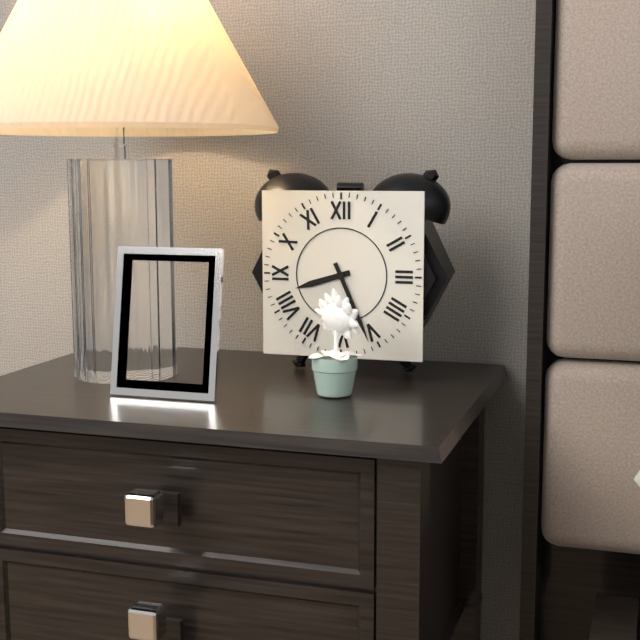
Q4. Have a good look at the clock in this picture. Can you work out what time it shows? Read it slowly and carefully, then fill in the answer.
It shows 8:26
